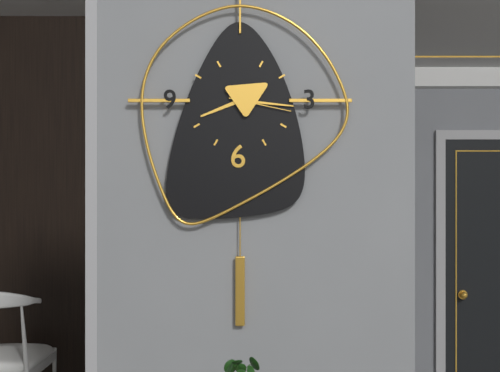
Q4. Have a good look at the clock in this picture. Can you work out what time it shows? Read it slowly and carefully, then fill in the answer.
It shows 8:16:17
